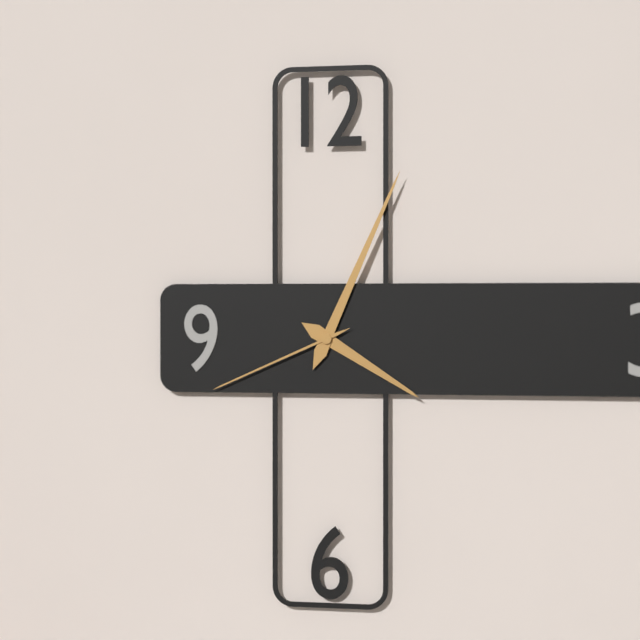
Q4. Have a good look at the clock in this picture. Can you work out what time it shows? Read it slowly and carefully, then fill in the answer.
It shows 4:04:41
